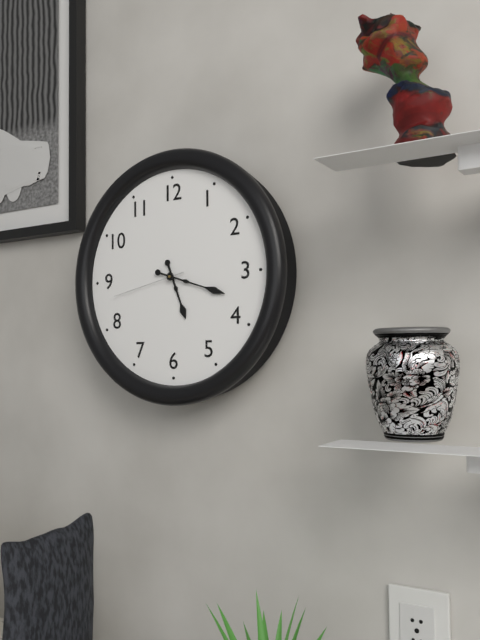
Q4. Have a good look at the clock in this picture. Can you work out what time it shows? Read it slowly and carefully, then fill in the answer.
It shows 5:18:43
